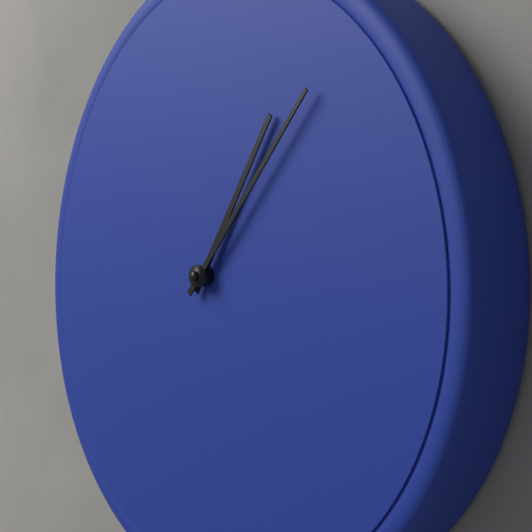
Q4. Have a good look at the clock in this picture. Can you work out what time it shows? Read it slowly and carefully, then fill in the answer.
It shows 1:07
